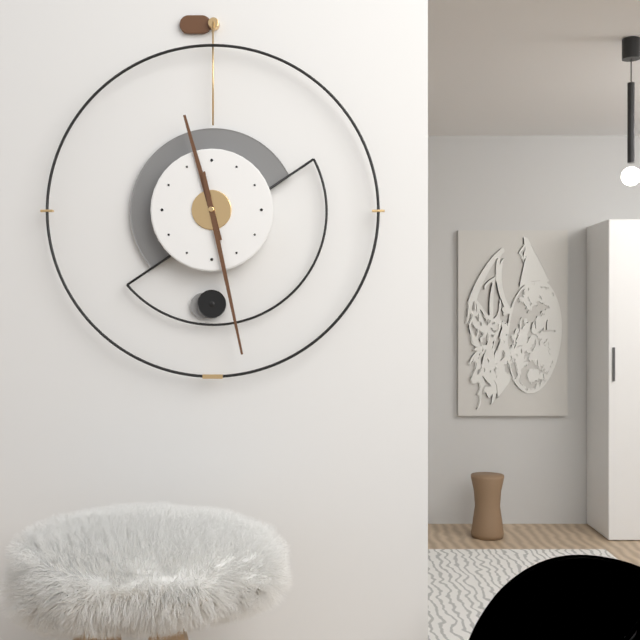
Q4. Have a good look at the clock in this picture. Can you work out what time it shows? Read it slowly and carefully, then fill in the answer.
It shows 11:28
